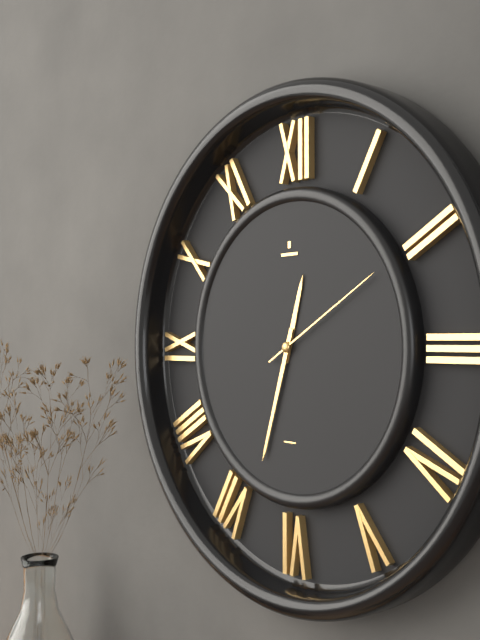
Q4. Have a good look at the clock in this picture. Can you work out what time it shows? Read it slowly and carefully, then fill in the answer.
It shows 12:33:10
